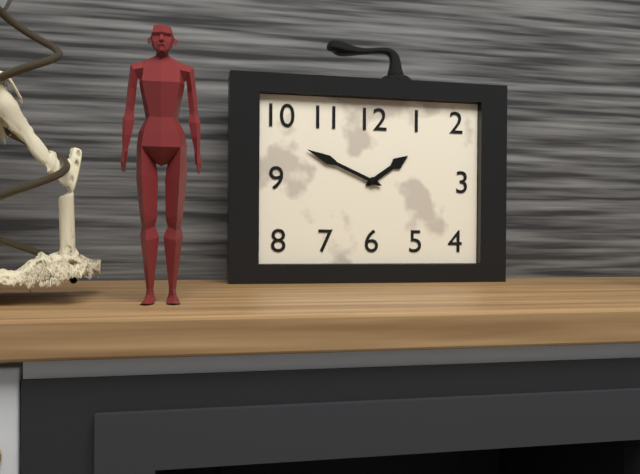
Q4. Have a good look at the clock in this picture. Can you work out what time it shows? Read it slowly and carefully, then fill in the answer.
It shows 1:49
